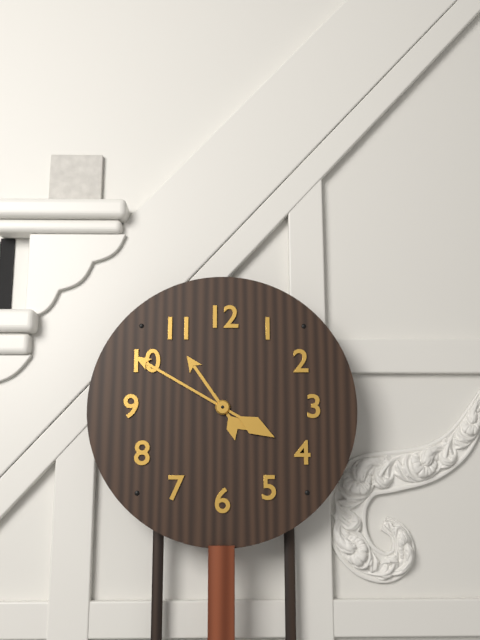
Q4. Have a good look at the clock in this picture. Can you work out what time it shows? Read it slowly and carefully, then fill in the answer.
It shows 10:50
